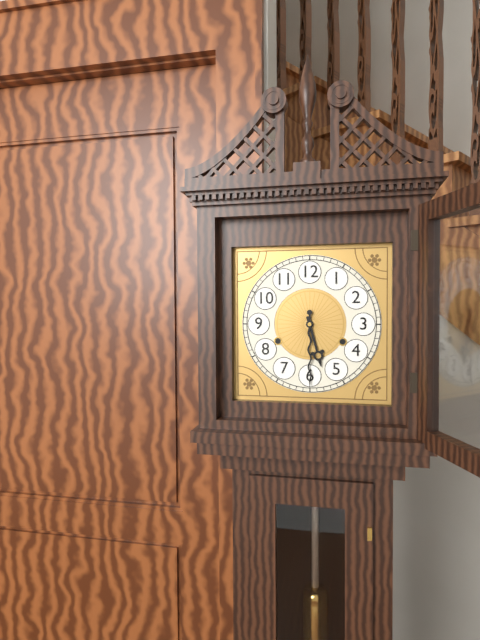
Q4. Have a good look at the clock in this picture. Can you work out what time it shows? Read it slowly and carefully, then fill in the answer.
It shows 5:30
